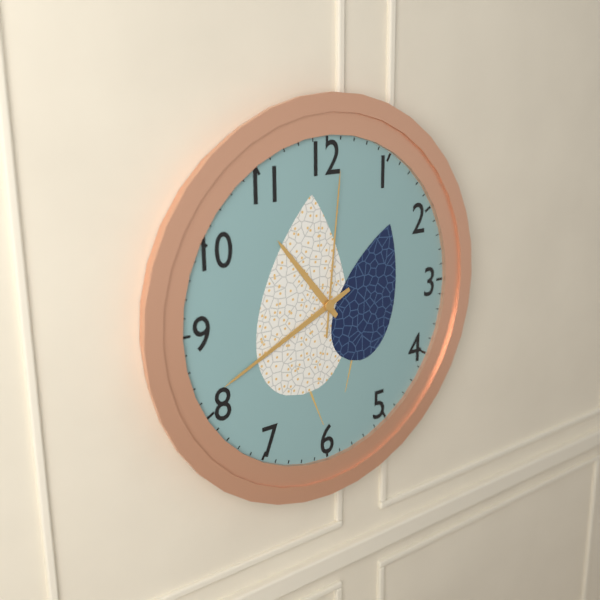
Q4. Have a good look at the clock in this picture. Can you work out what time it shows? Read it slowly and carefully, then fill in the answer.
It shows 10:41:01
